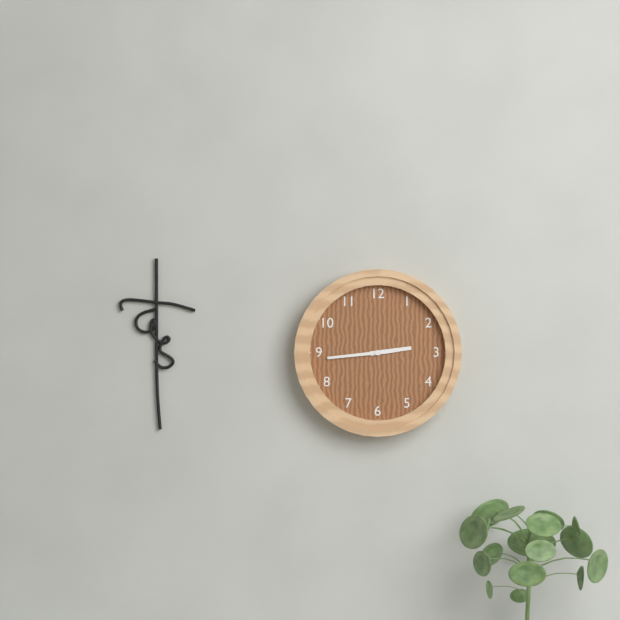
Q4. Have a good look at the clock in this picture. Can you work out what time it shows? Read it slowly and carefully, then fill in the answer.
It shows 2:44
